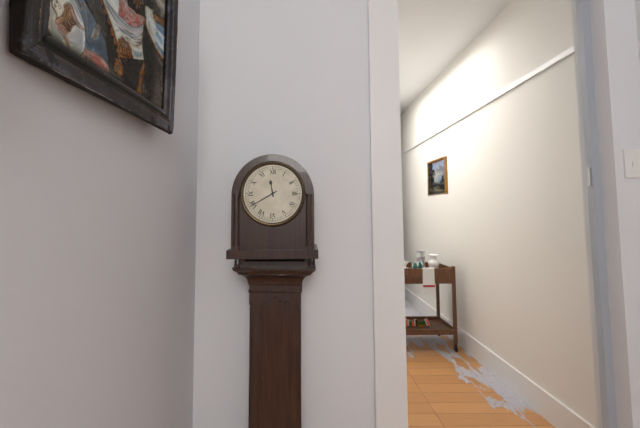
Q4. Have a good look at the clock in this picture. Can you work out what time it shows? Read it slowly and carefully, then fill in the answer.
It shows 11:40
